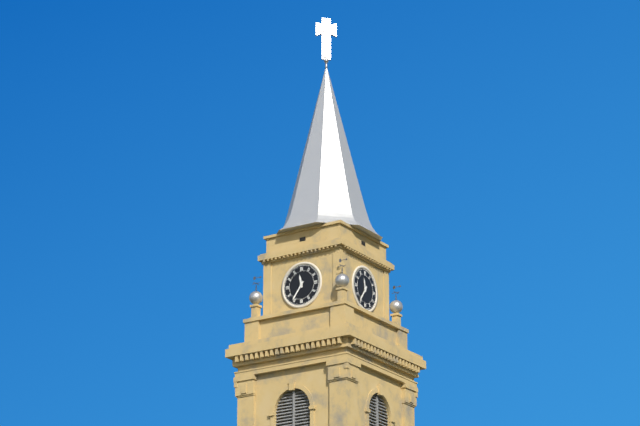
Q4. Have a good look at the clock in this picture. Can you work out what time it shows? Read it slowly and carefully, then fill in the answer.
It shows 11:36
